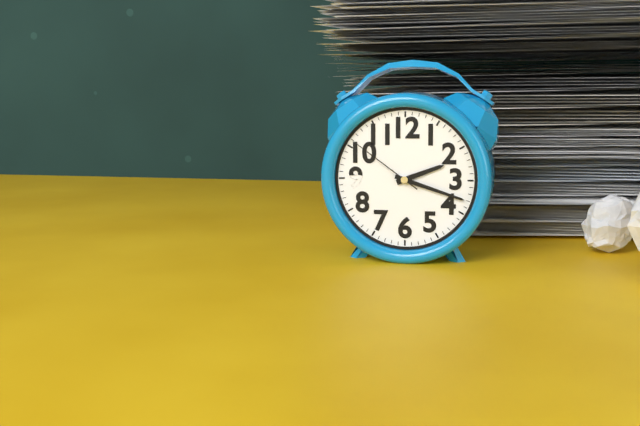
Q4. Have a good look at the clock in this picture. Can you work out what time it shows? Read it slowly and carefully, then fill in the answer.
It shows 2:18:51
